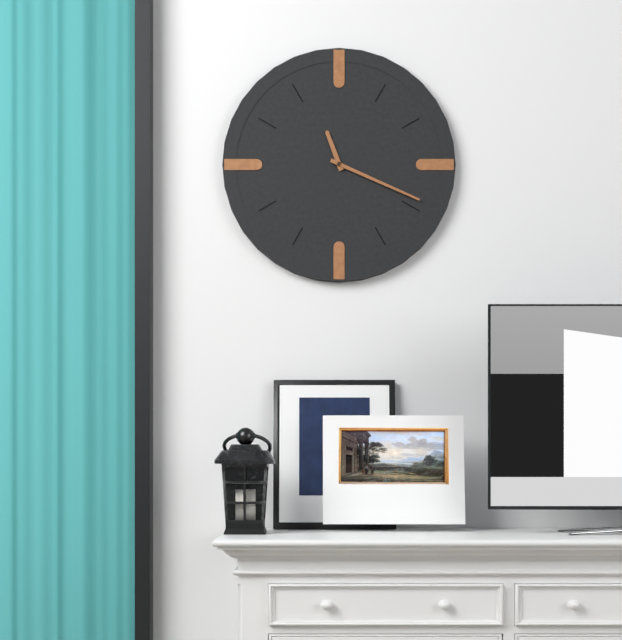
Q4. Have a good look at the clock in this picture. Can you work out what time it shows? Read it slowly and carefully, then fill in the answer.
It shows 11:19
